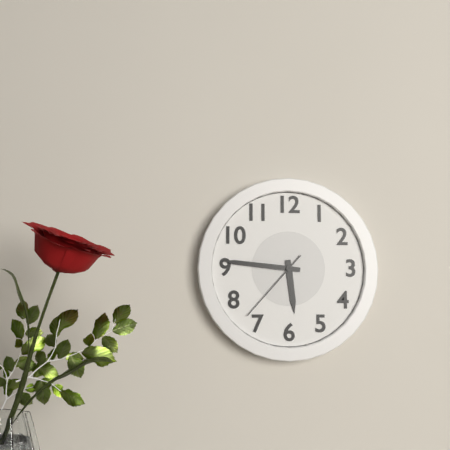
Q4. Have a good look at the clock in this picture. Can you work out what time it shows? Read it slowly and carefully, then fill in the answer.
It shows 5:46:37
